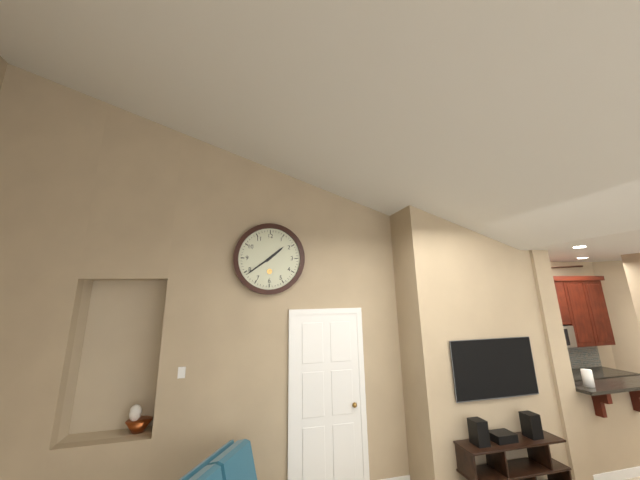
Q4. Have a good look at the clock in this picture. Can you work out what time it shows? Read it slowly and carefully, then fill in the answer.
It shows 1:39
